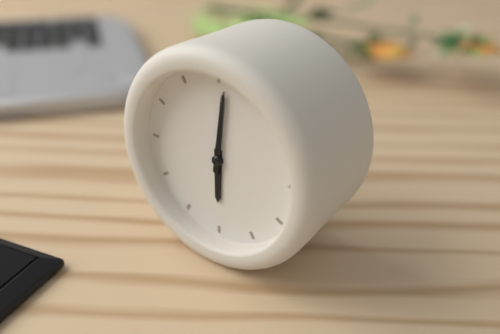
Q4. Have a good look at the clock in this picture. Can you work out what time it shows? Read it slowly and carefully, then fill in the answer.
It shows 6:01
